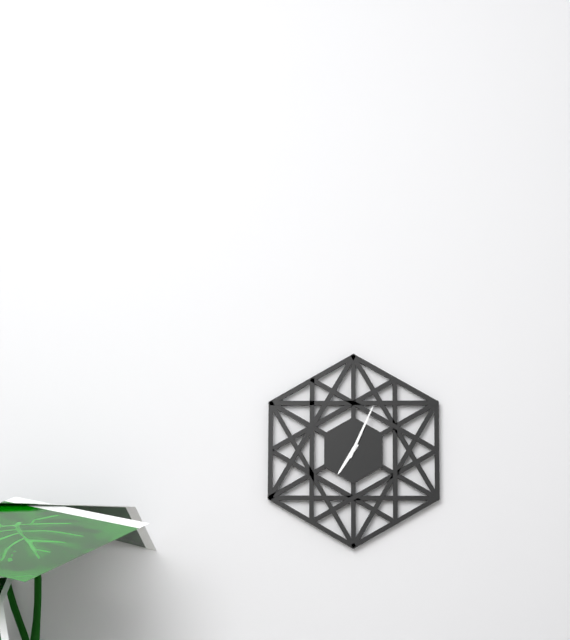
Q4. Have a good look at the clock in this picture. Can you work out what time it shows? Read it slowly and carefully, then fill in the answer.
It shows 7:04
